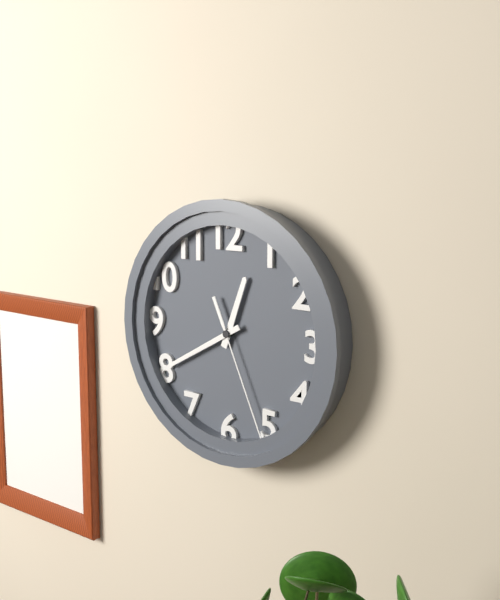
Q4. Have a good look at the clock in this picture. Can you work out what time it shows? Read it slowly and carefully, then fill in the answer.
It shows 12:40:26
